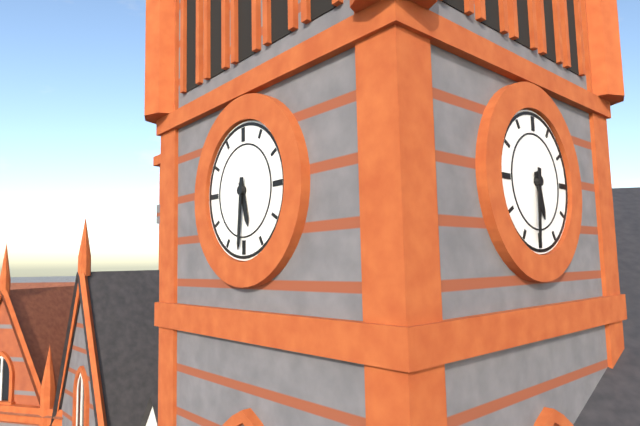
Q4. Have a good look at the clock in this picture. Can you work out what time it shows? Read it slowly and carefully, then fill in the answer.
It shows 5:31
